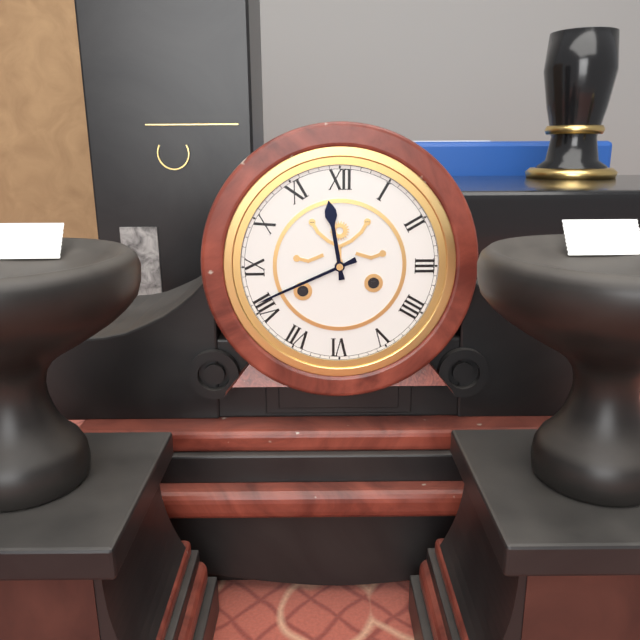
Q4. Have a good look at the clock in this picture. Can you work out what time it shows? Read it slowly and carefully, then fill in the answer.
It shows 11:41
